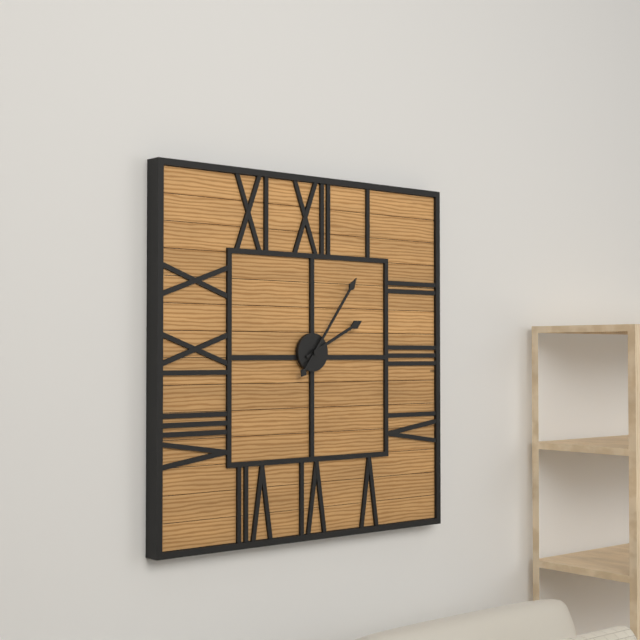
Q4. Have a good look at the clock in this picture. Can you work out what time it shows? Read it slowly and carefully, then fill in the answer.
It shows 2:06
